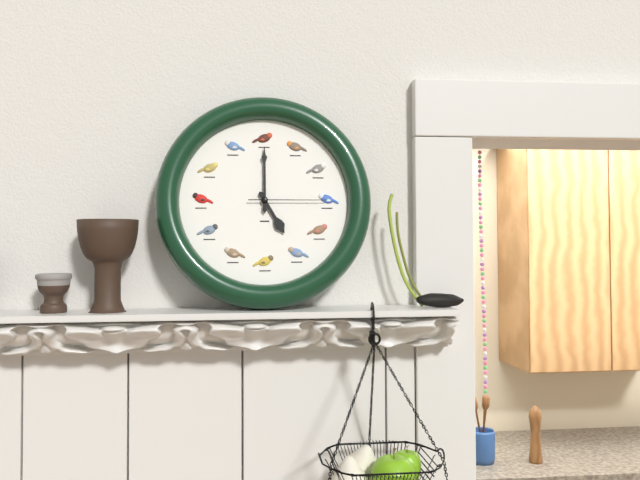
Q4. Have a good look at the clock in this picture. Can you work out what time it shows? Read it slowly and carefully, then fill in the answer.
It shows 5:00:15
